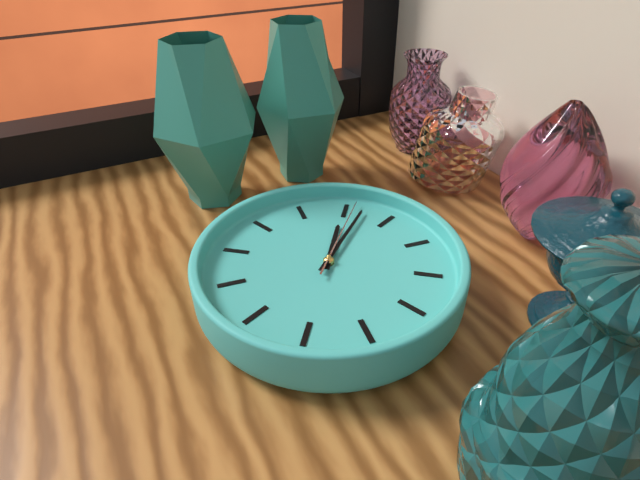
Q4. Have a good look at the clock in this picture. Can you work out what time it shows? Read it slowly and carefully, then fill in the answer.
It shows 10:57:56
